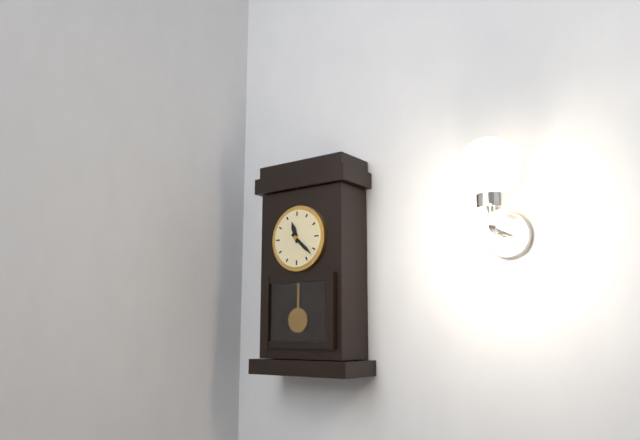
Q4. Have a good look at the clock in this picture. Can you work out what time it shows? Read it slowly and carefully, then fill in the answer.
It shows 11:22
